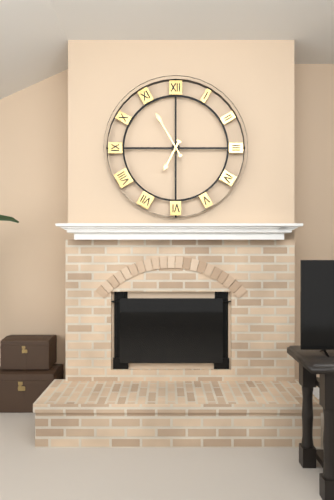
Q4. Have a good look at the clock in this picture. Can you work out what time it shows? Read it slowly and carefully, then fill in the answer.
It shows 6:55
